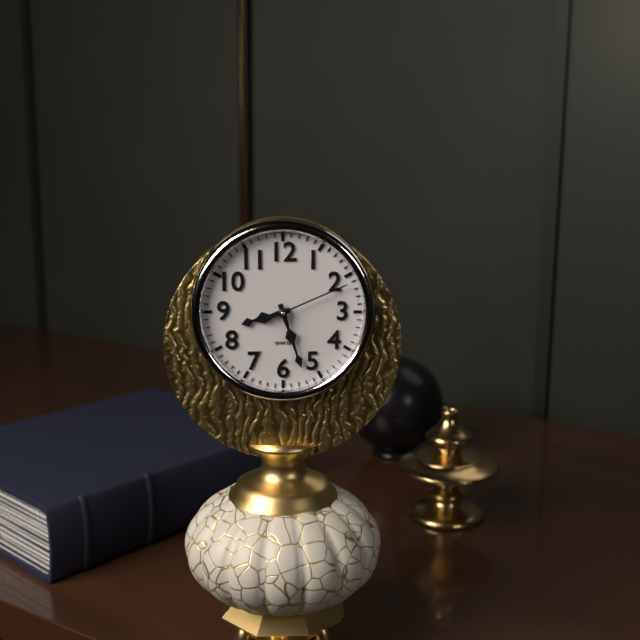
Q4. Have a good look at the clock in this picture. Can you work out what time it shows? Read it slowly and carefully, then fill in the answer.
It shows 8:27:11
